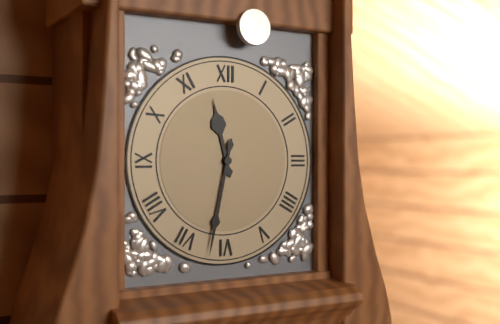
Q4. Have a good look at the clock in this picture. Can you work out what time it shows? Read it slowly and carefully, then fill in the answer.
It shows 11:32
